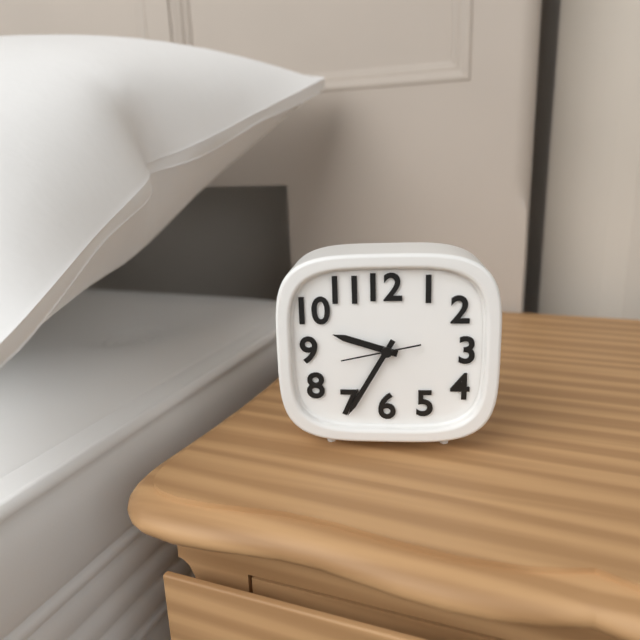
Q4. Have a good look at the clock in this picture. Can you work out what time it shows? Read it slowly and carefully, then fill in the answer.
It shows 9:35:43
